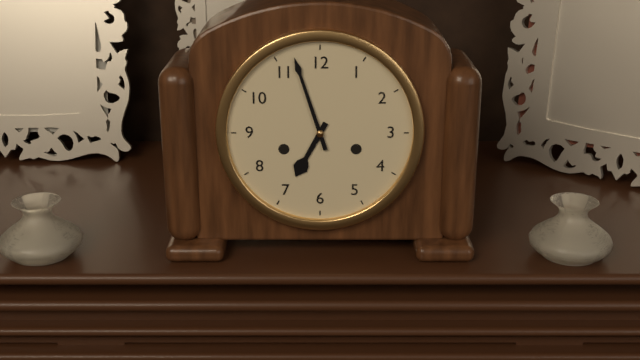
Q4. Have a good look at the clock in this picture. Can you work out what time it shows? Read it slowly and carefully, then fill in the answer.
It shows 6:57
